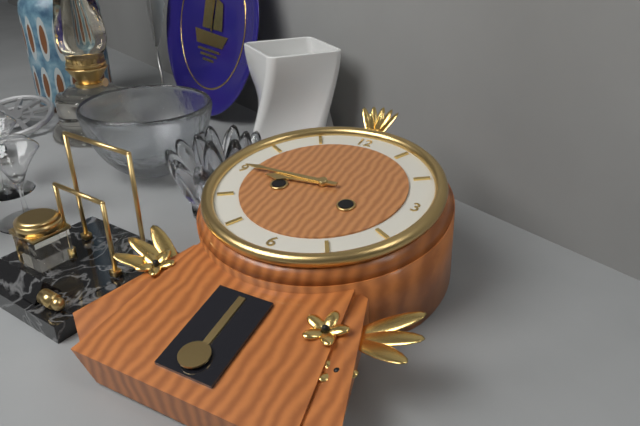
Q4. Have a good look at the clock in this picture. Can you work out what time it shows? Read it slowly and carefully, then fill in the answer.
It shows 8:45
